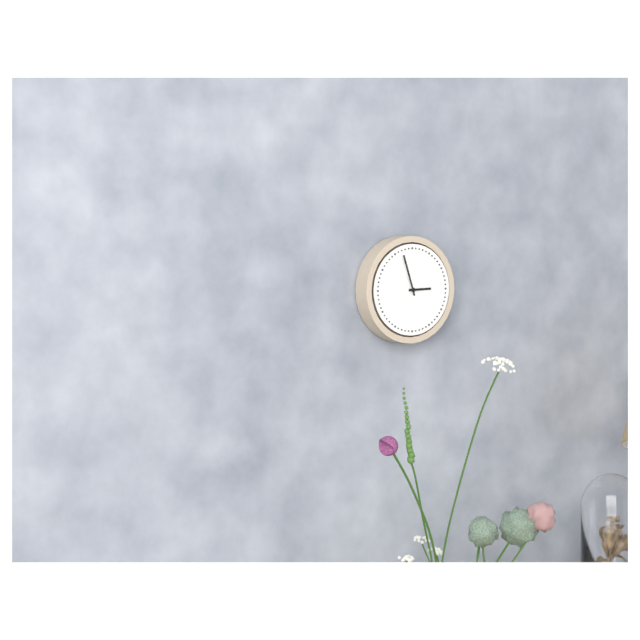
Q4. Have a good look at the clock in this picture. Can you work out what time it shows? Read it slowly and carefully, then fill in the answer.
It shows 2:57
